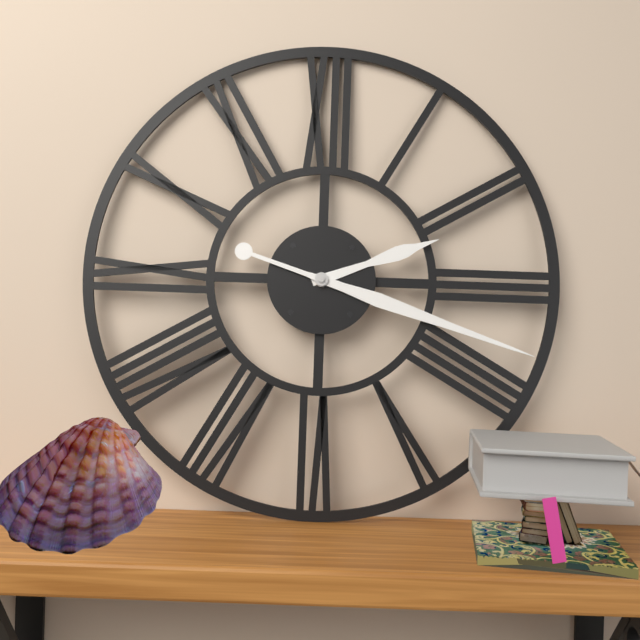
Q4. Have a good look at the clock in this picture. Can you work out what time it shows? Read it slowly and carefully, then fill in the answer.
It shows 2:18
